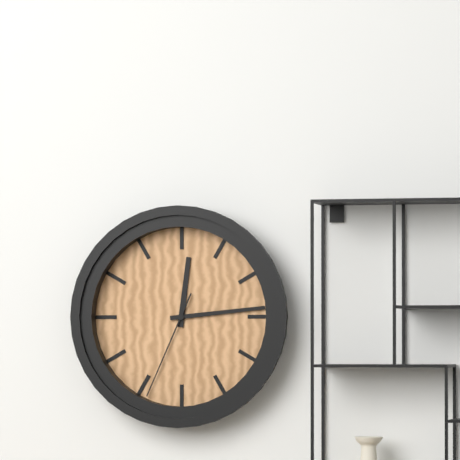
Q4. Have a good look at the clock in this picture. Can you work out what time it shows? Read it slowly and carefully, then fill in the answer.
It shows 12:14:34
